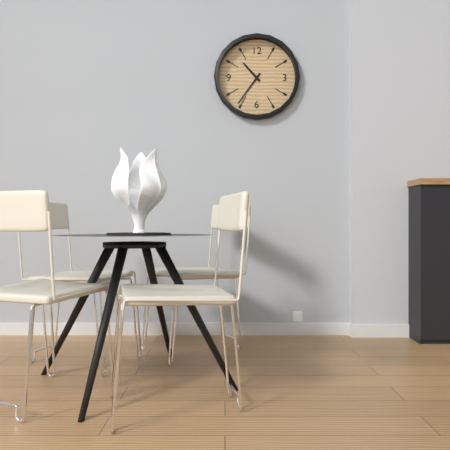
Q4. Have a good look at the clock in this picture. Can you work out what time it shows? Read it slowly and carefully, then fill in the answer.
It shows 10:36
